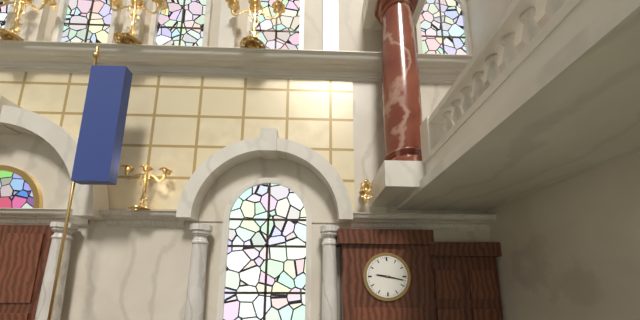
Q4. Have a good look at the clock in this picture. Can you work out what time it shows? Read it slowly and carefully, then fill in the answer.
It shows 9:17
